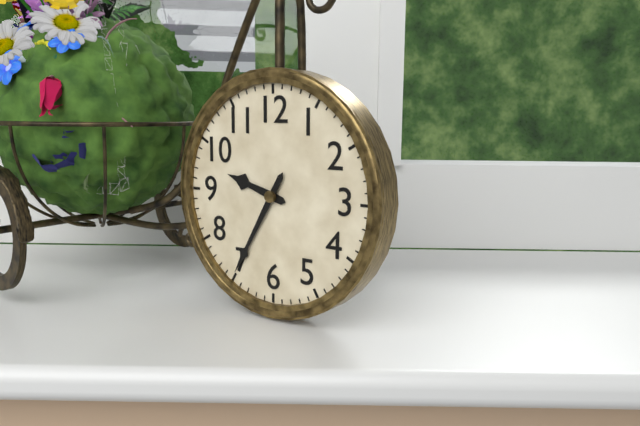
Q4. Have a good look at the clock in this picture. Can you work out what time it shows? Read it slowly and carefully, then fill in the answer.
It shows 9:35
